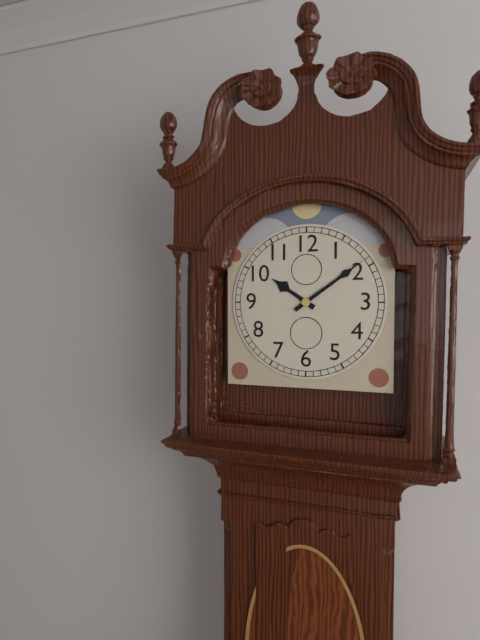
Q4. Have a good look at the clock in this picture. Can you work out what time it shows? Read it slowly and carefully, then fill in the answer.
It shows 10:09
